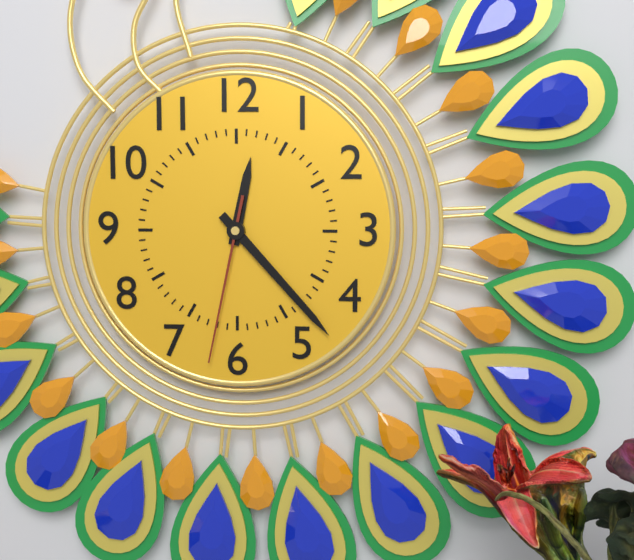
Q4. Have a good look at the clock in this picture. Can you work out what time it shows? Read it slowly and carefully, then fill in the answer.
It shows 12:23:32
